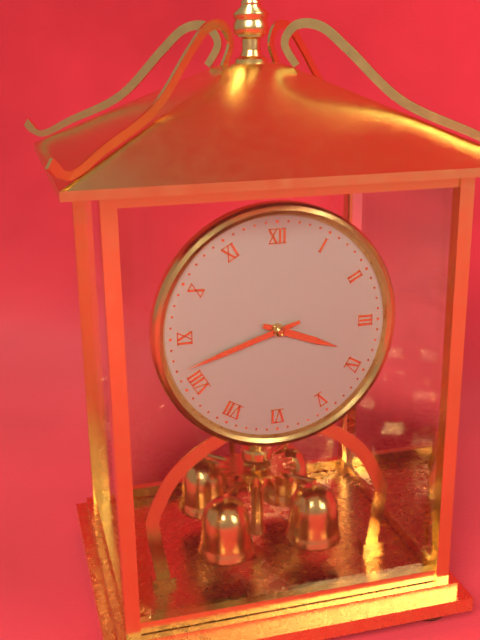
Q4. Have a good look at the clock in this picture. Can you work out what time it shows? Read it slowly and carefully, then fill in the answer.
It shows 3:42
